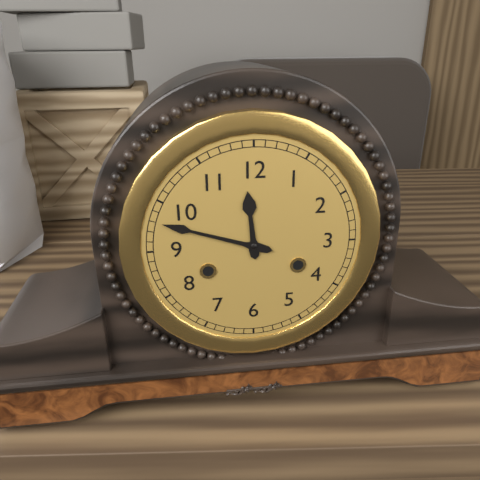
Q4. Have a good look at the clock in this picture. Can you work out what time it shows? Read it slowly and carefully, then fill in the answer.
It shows 11:48
